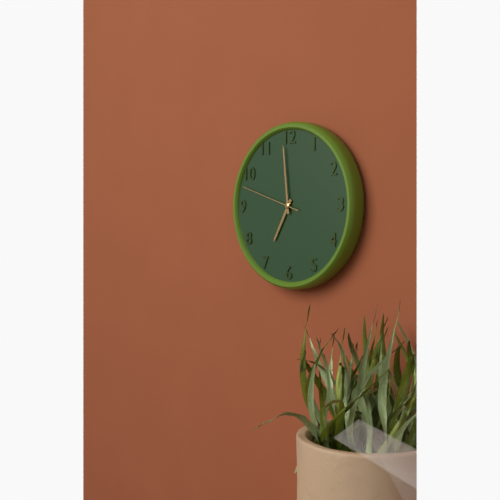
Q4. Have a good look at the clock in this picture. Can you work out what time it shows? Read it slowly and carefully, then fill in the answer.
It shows 6:59:48
